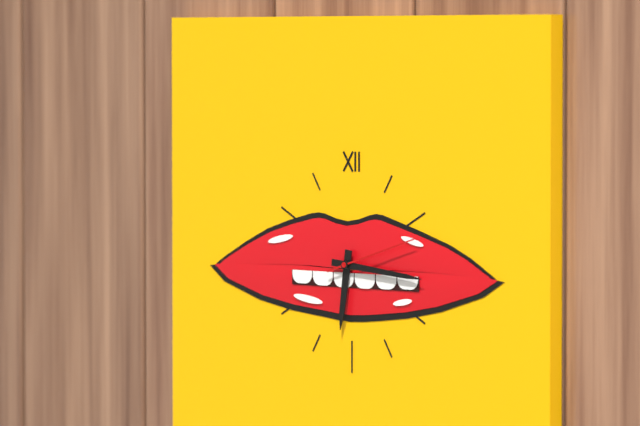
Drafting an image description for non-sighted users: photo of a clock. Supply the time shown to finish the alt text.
6:16:12
